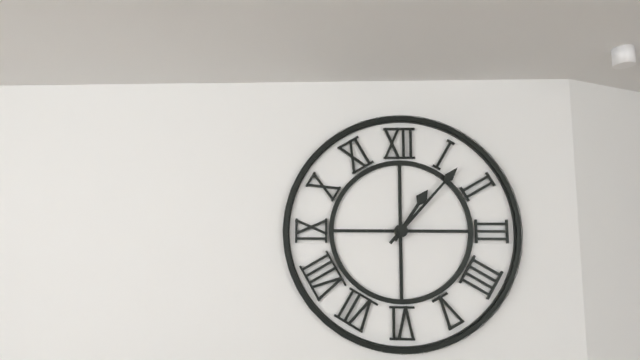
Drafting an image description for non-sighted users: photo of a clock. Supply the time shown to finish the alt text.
1:07
